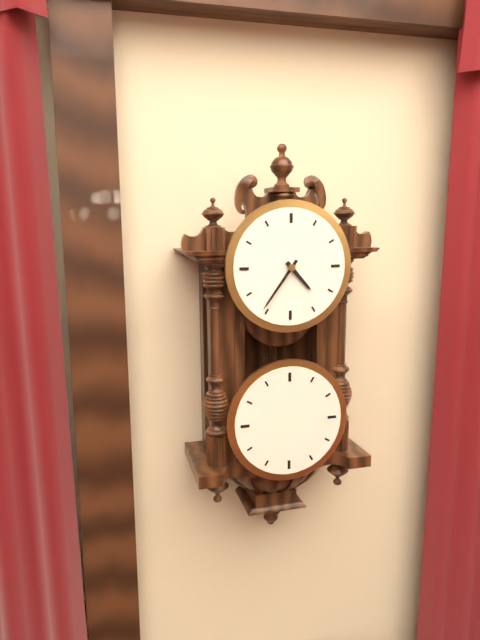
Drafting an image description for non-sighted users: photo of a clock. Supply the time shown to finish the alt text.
4:36
